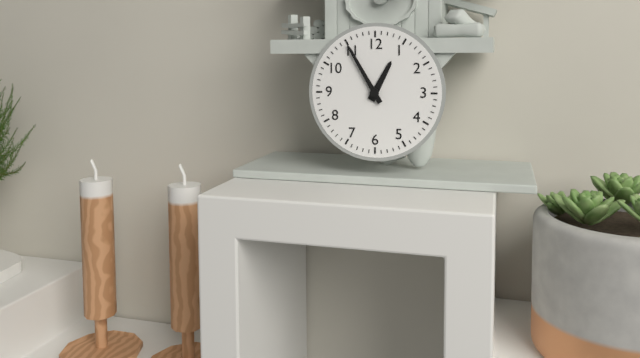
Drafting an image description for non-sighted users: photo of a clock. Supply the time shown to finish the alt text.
12:55
